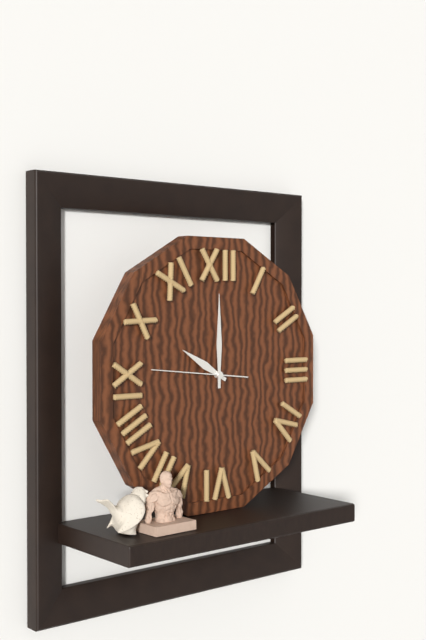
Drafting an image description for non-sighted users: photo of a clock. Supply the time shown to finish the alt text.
10:00:46
